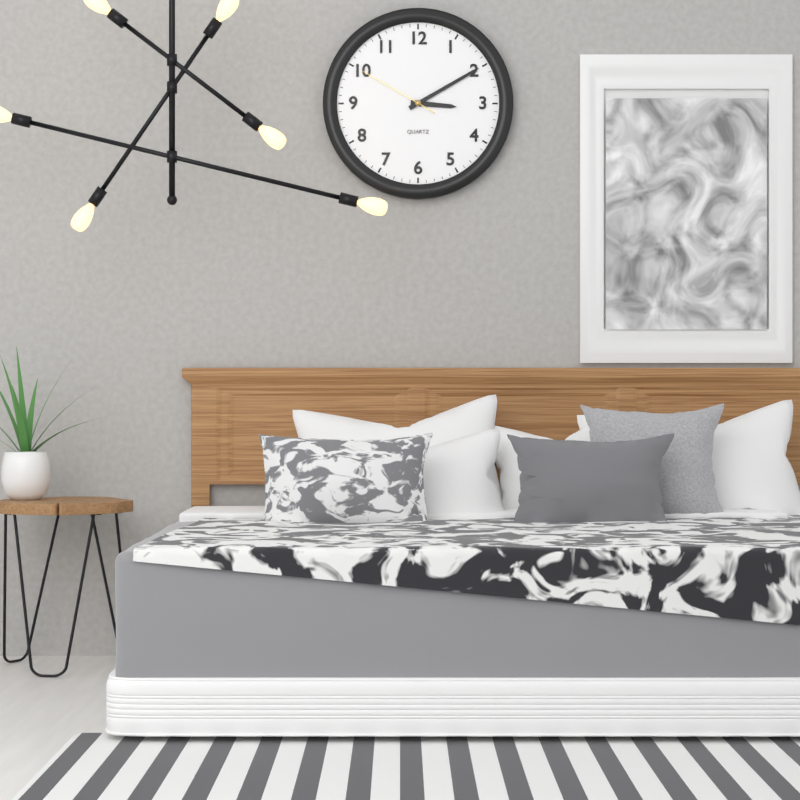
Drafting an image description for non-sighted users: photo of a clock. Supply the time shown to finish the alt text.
3:10:50
